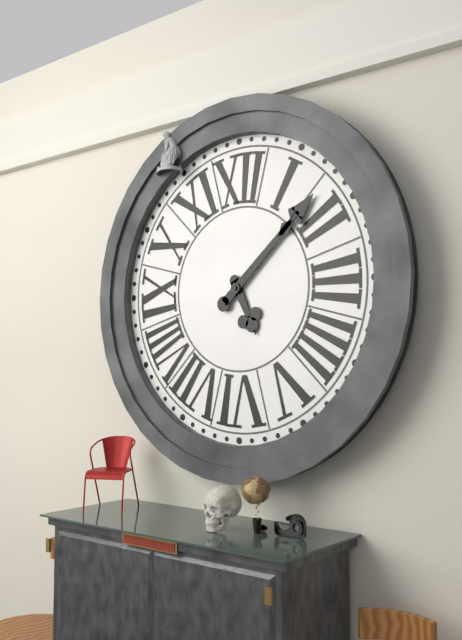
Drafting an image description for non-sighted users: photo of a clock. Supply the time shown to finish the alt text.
5:08
